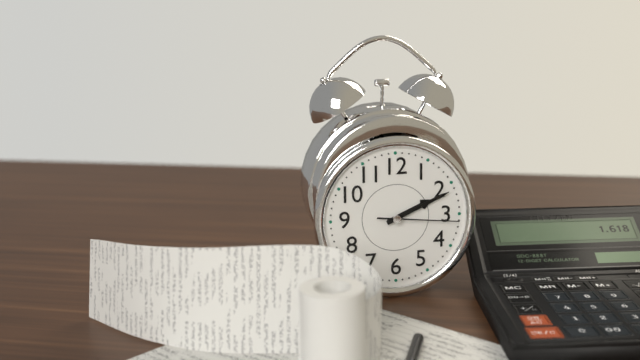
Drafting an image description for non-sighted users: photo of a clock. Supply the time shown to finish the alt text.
2:11:16
